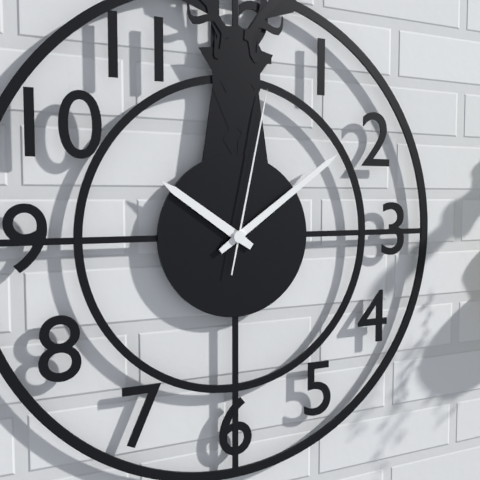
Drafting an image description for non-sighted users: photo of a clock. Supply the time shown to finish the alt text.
10:09:02
